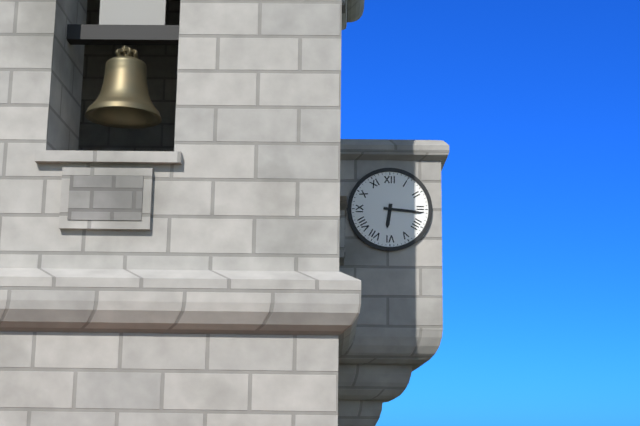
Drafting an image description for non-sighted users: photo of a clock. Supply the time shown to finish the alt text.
6:16
